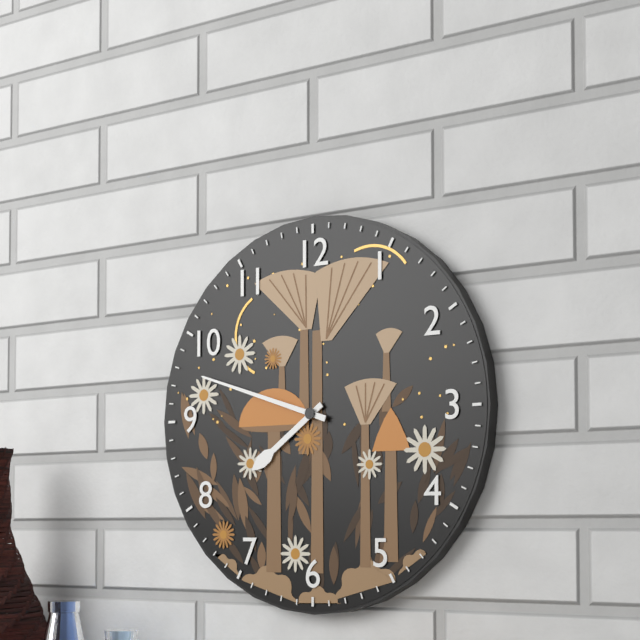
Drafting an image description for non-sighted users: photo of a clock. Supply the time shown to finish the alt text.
7:48
